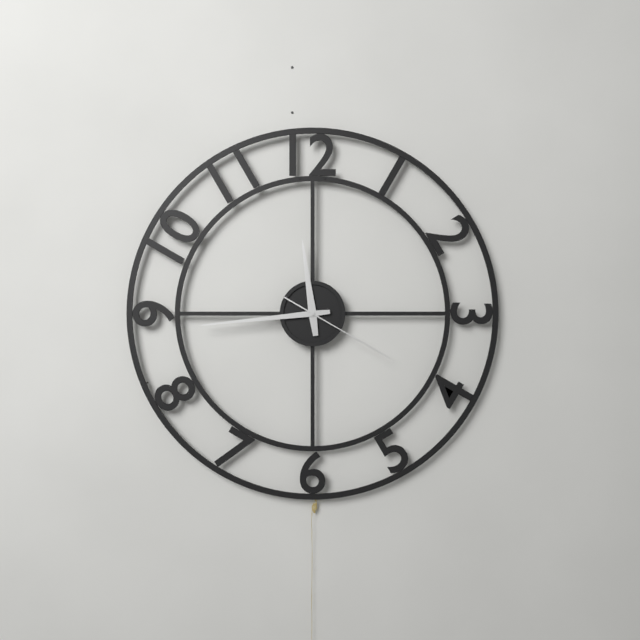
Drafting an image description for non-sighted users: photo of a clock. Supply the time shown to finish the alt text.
11:44:20
